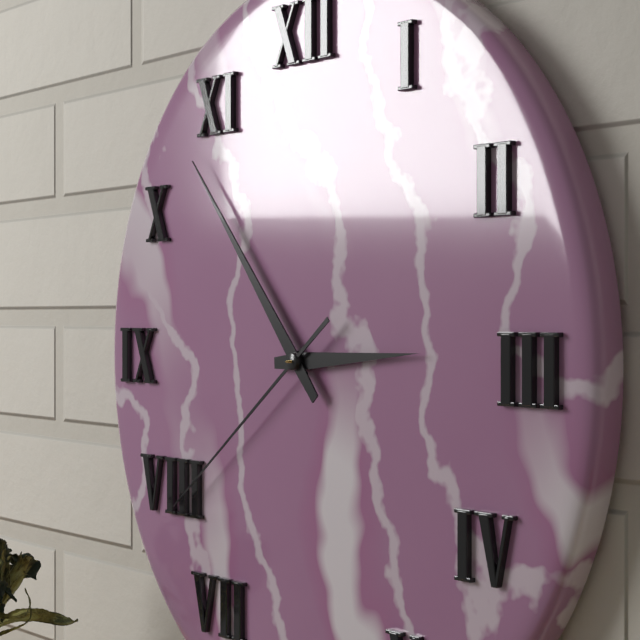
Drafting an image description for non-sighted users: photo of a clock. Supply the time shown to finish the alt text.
2:53:39
